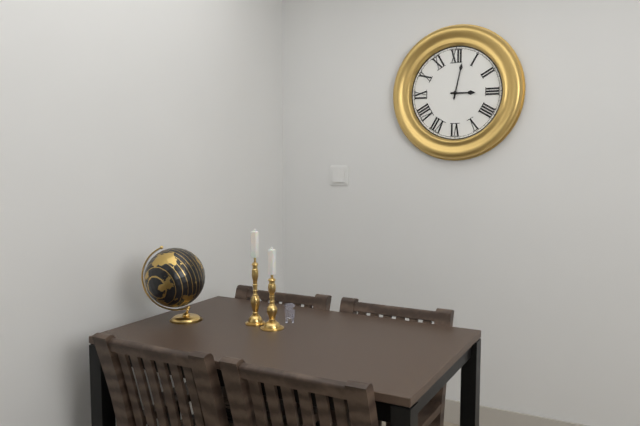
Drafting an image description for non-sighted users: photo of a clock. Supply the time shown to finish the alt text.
3:02
